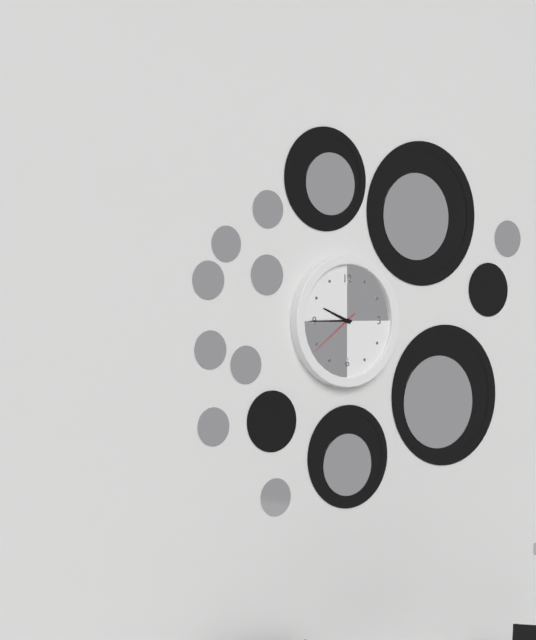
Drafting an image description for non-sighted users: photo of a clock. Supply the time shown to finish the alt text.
9:45:39
